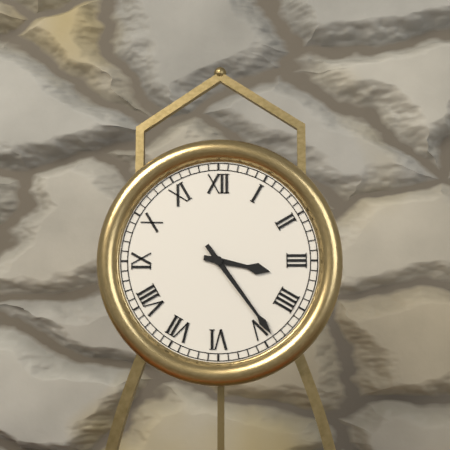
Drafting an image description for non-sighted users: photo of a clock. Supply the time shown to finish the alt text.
3:24
